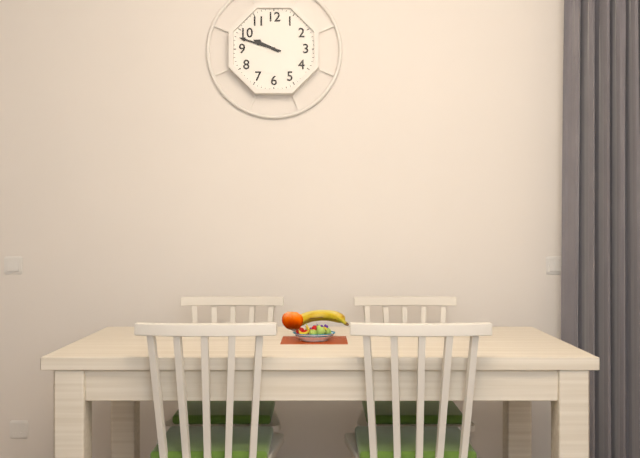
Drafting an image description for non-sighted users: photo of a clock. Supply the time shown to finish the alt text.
9:48
